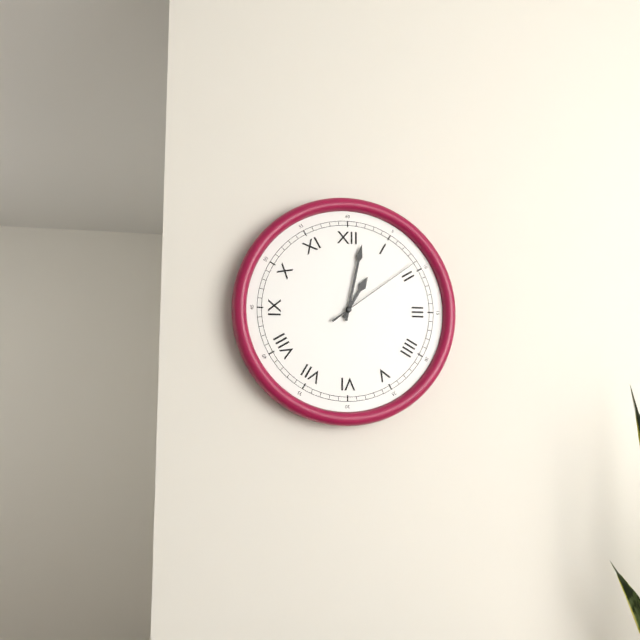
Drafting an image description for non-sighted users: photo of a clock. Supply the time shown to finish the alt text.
1:02:09
